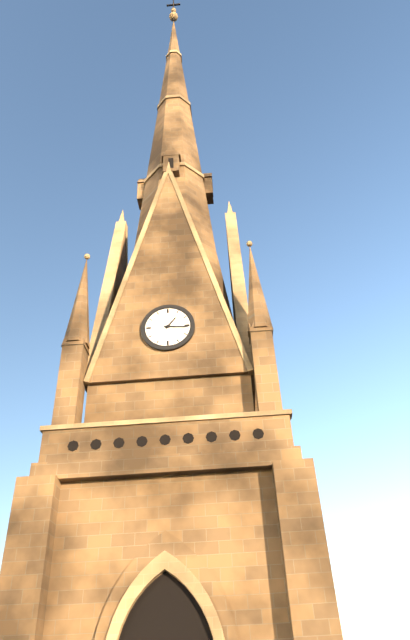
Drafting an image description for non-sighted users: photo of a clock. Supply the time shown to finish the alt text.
1:16
